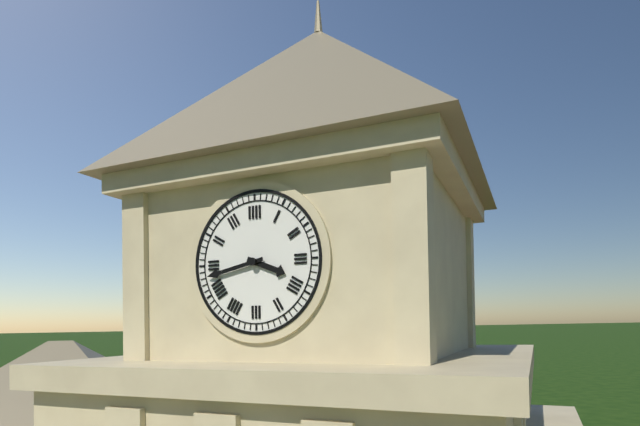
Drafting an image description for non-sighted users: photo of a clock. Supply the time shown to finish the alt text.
3:43
